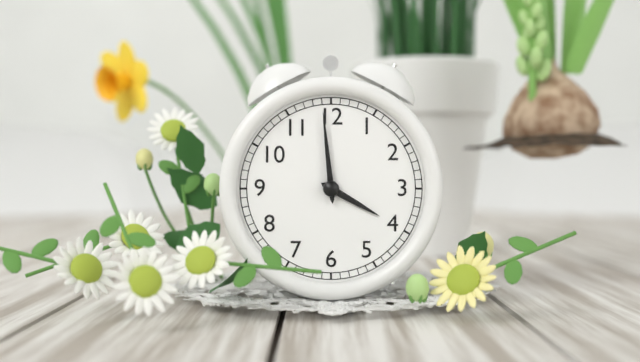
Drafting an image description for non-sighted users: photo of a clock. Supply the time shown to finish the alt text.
3:59
